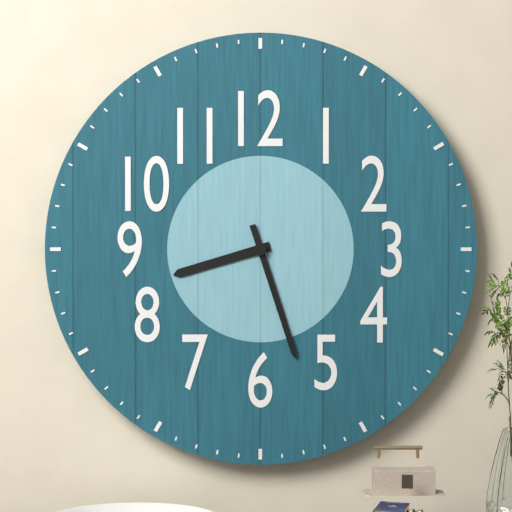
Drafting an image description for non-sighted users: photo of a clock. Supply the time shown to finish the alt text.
8:27
